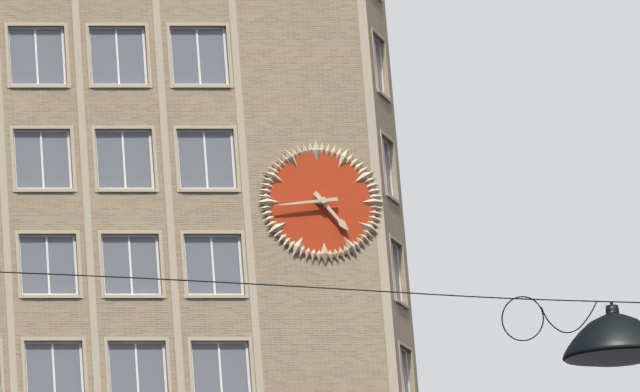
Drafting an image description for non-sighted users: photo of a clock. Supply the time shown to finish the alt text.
4:44
